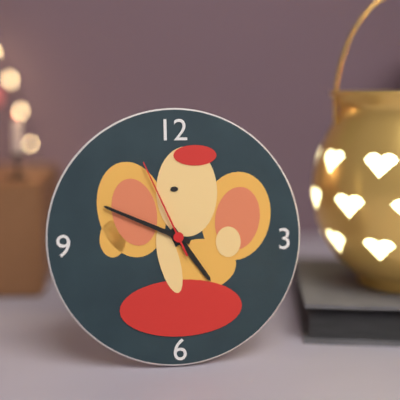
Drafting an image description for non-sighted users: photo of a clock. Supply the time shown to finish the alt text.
4:49:56
